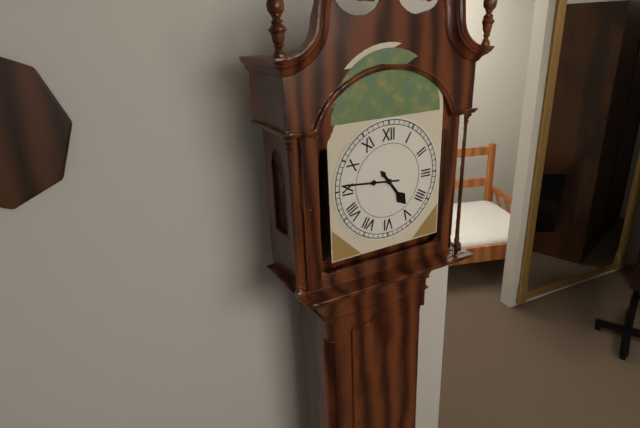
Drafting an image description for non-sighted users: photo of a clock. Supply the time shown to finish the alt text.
4:46
